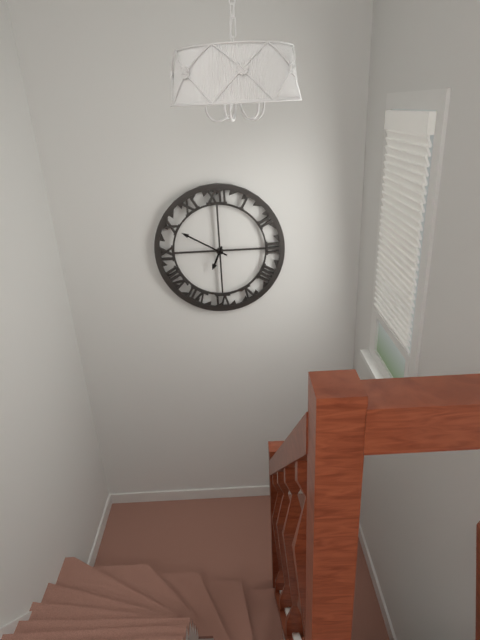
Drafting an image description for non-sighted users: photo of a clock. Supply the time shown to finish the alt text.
6:50
